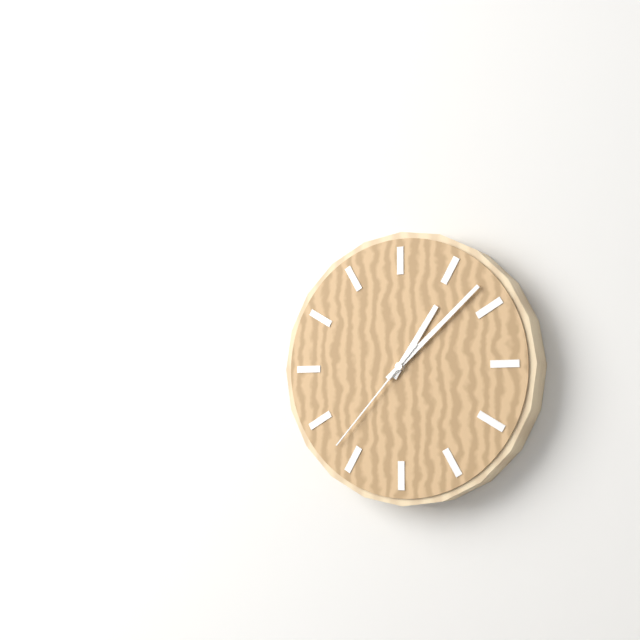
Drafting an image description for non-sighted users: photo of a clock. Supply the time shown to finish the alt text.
1:08:37
